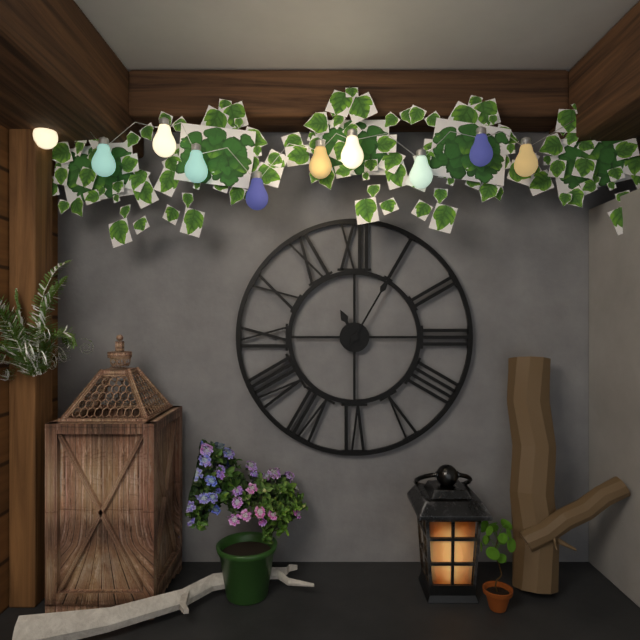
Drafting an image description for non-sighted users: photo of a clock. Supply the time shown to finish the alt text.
11:05
